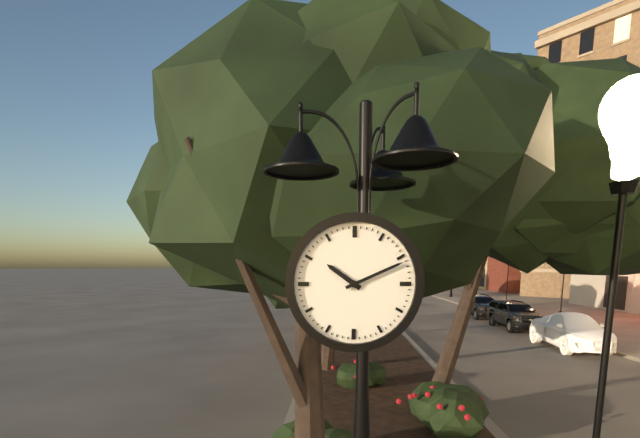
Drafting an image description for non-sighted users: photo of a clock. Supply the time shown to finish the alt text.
10:11
